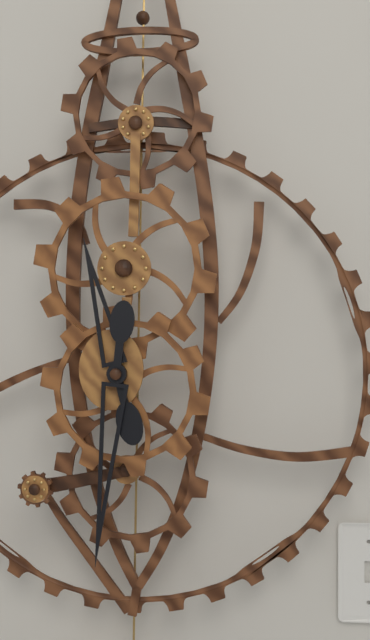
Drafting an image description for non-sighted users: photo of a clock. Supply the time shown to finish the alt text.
11:31
